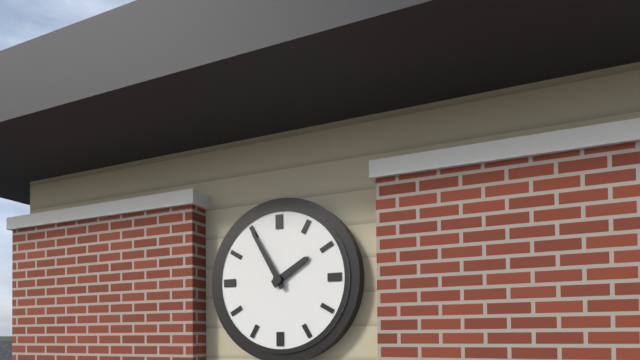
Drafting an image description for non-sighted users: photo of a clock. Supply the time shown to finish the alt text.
1:55
